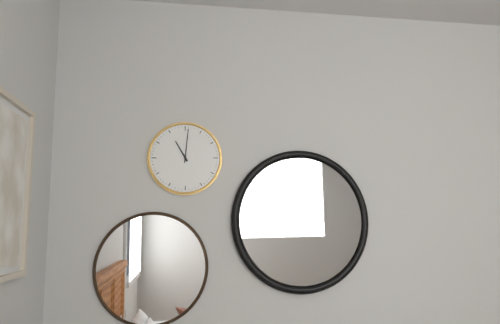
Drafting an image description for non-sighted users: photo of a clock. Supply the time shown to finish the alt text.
11:01
